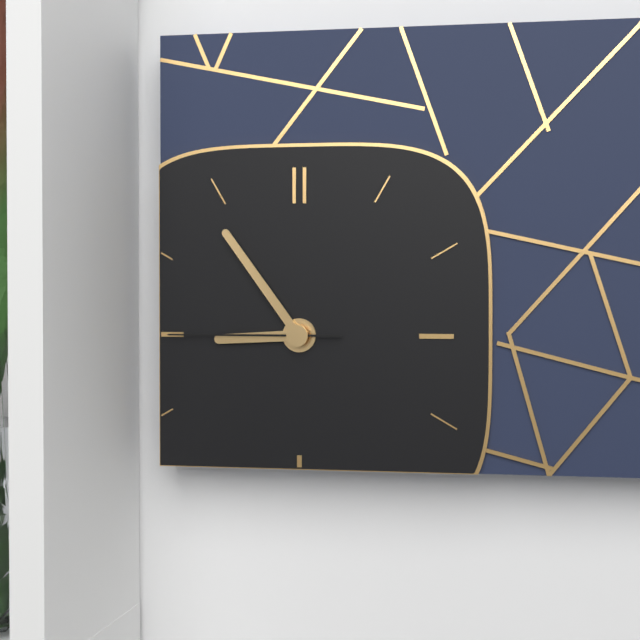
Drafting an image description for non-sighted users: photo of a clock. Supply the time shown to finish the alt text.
8:54:45
